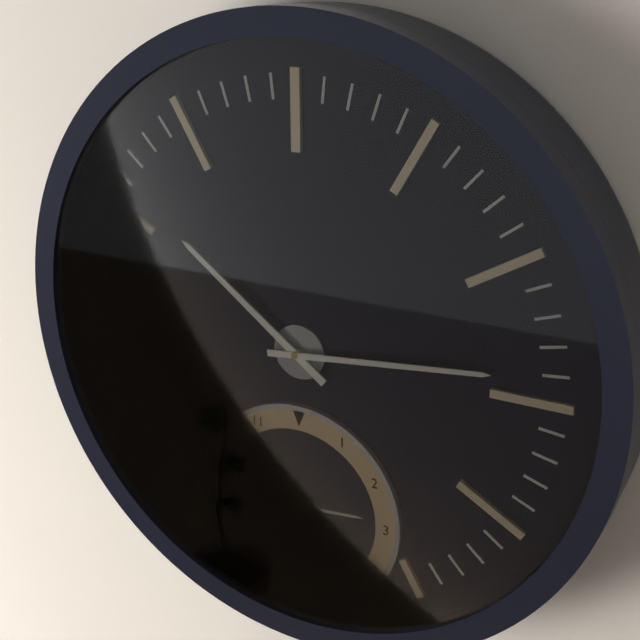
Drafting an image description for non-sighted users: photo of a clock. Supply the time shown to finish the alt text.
10:14
